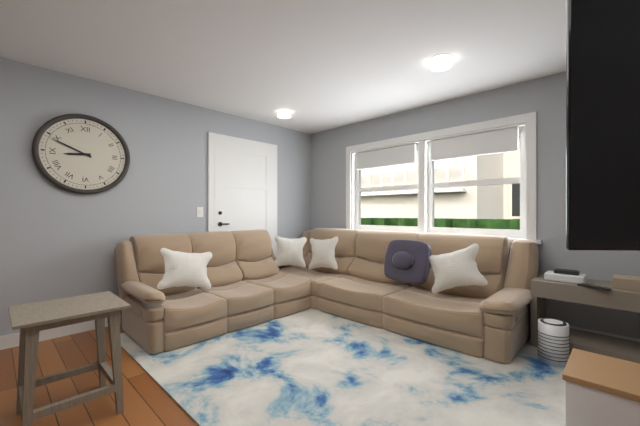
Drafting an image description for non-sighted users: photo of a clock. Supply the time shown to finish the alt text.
8:49
